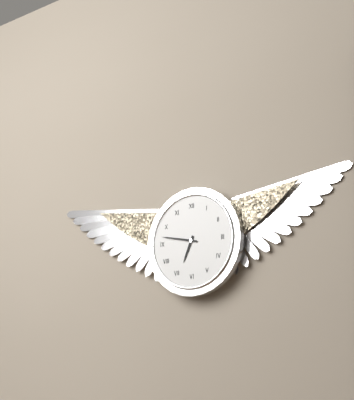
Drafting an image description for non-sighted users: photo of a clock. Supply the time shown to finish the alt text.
6:47
